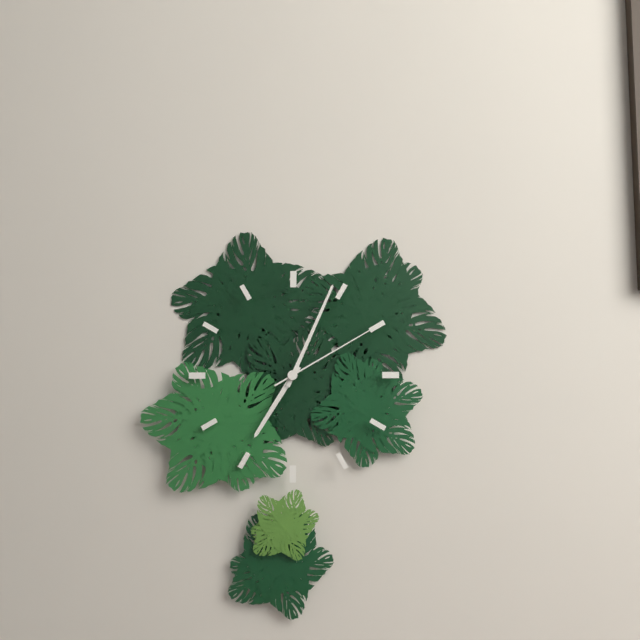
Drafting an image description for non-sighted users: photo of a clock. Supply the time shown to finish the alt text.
7:04:10
